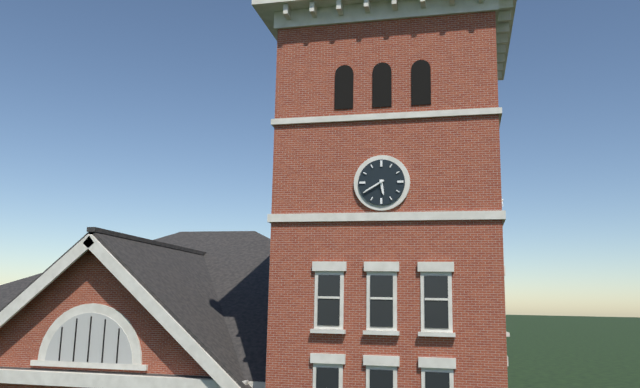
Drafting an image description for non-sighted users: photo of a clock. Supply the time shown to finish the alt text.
5:40
